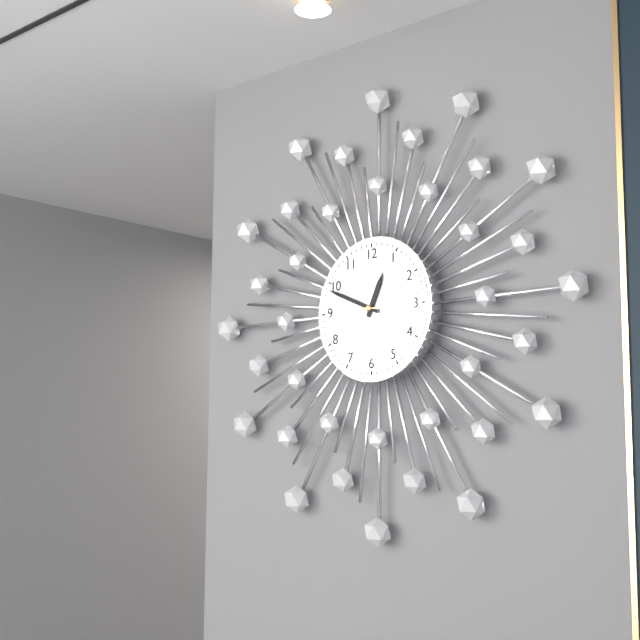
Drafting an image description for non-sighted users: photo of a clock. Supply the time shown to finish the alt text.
12:49:46
